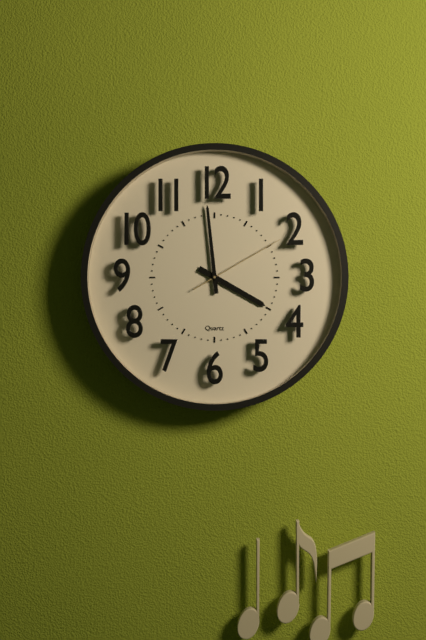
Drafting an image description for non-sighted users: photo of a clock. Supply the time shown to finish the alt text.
3:59:10
